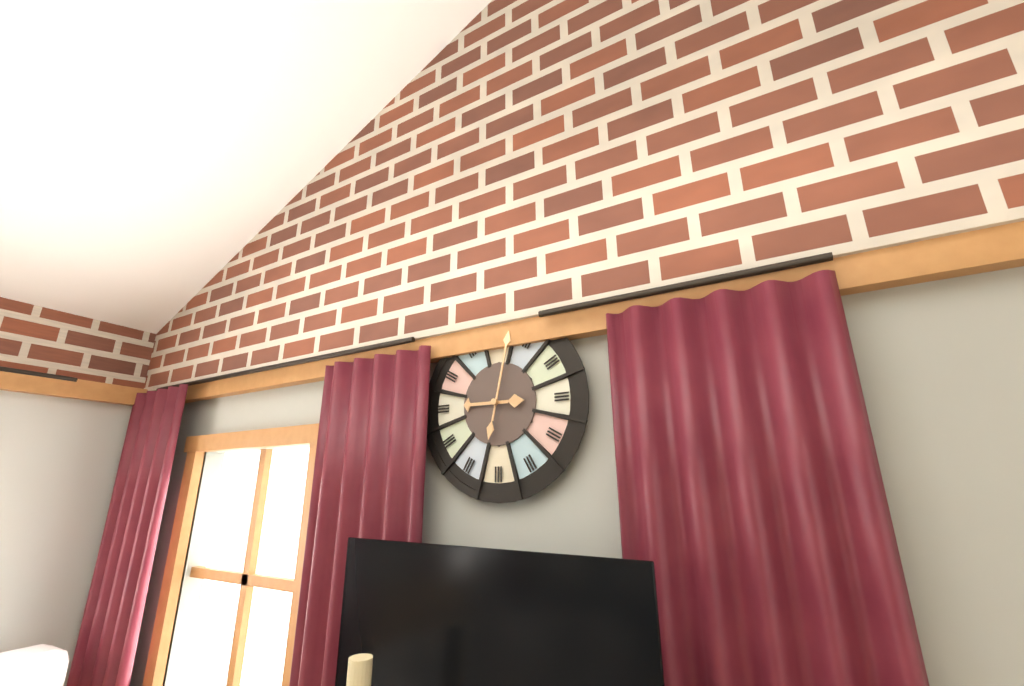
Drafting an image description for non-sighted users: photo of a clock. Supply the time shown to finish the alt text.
9:02
